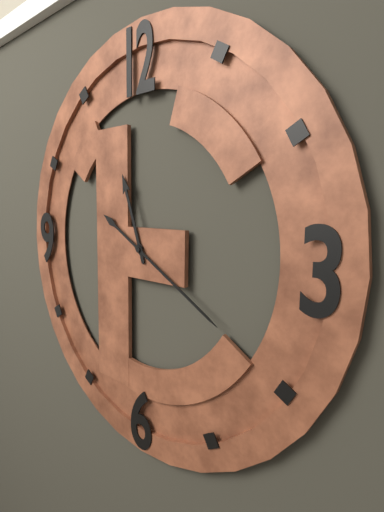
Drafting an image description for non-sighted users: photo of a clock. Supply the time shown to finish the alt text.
11:20
